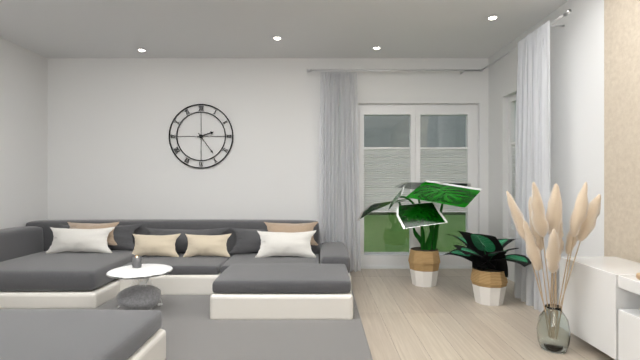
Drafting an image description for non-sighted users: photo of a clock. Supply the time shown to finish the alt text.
2:24
